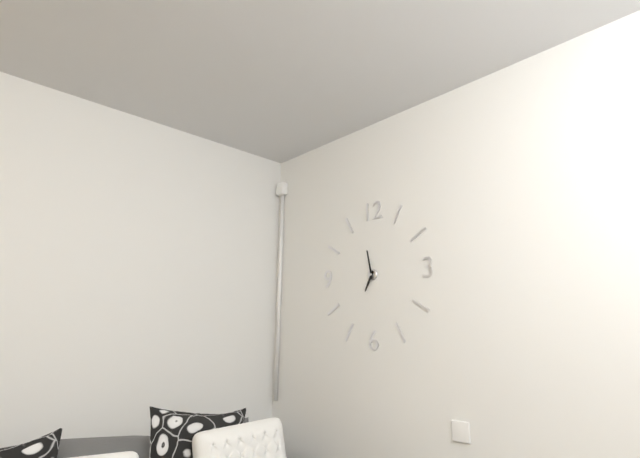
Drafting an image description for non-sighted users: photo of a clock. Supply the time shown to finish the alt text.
6:58
